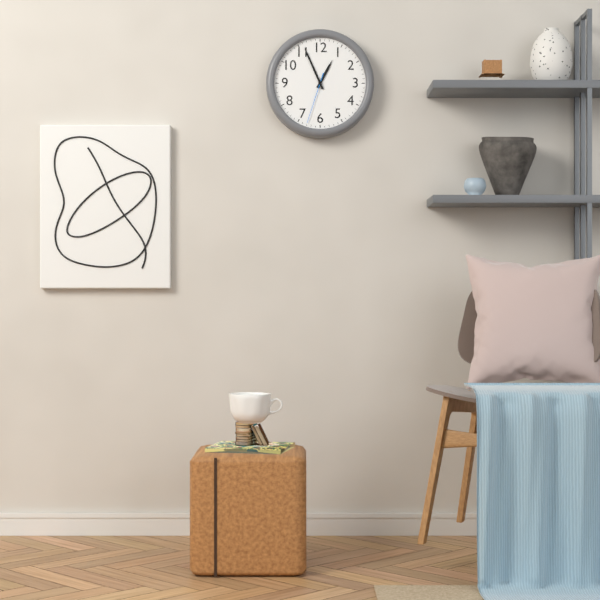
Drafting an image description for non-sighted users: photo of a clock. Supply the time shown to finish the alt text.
12:56:33
